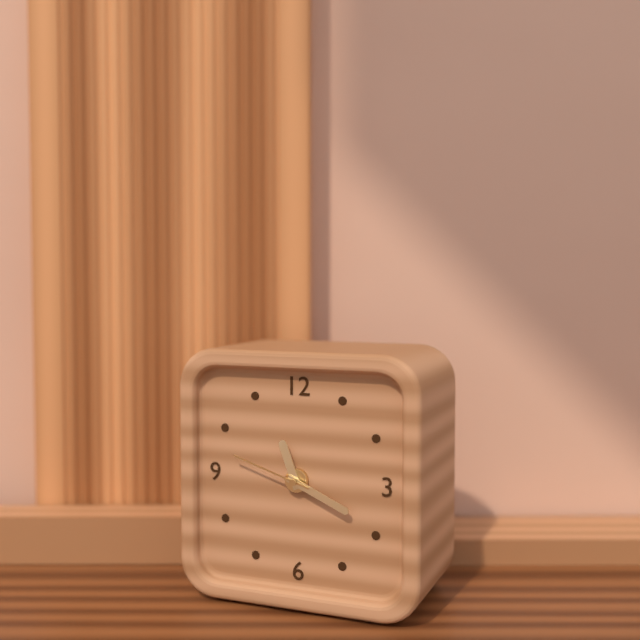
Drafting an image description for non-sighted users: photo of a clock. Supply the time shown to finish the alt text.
11:19:48
